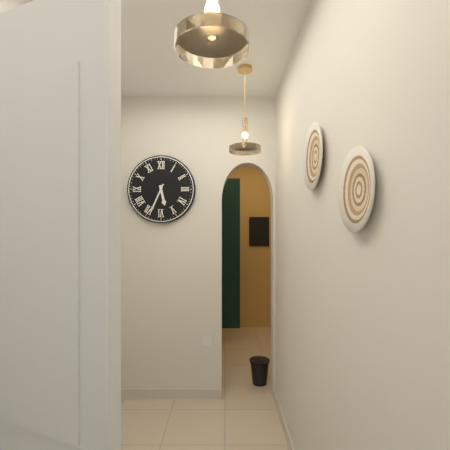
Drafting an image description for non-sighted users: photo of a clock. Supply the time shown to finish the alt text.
5:34
